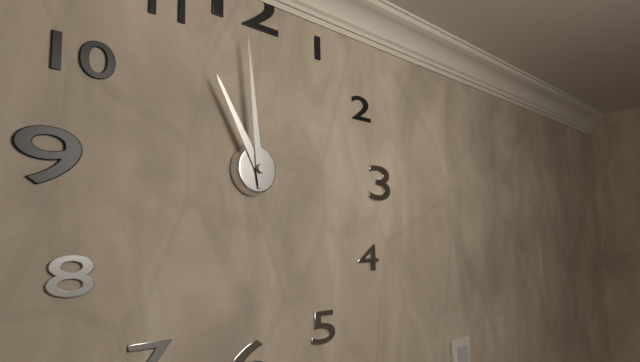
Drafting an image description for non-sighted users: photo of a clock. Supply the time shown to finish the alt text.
10:59
